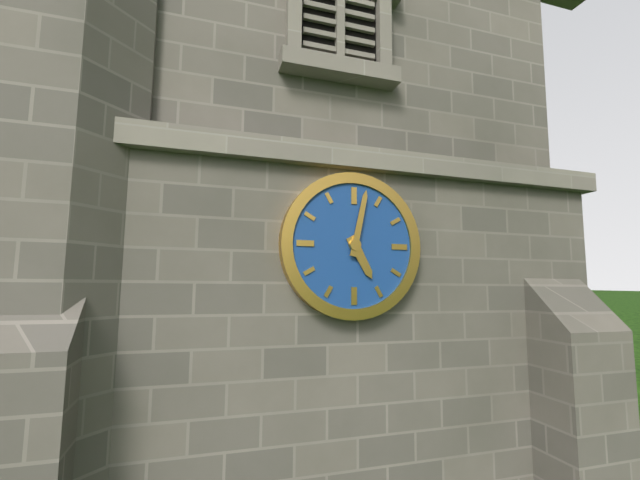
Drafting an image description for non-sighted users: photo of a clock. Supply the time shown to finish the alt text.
5:02
